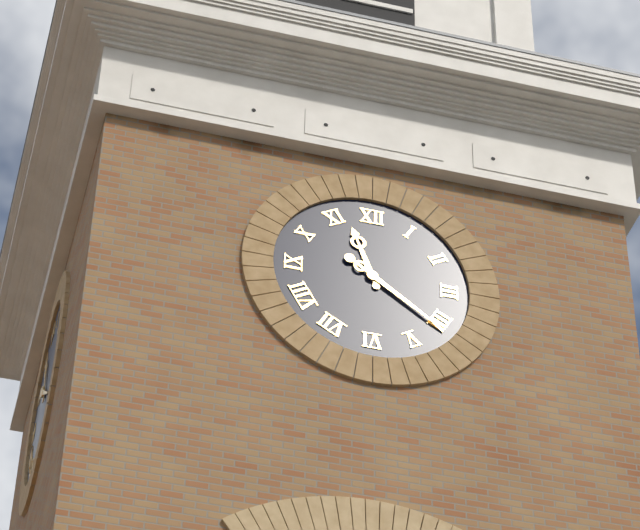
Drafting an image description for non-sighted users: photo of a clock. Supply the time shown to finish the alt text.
11:21
